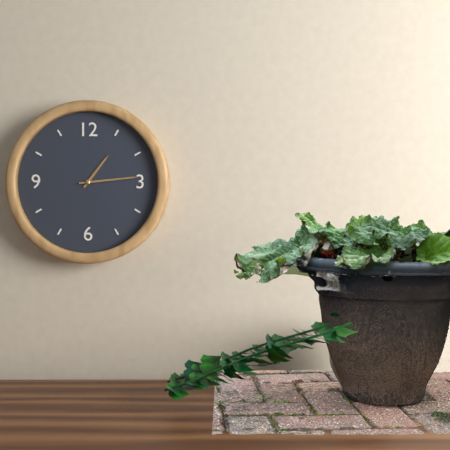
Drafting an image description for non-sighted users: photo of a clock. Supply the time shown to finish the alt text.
1:14
